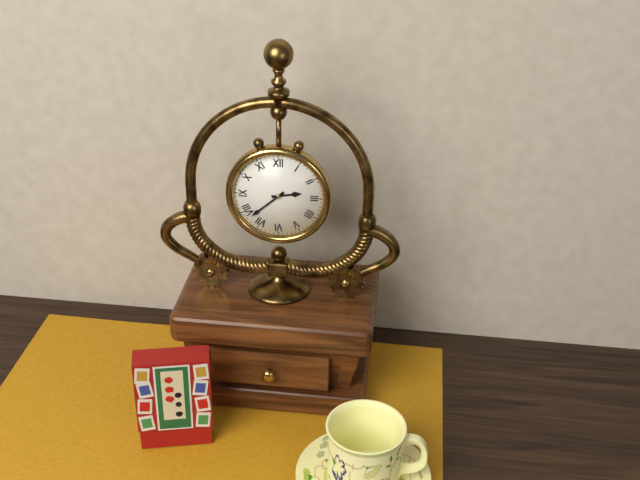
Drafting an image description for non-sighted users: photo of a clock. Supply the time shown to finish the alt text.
2:38
